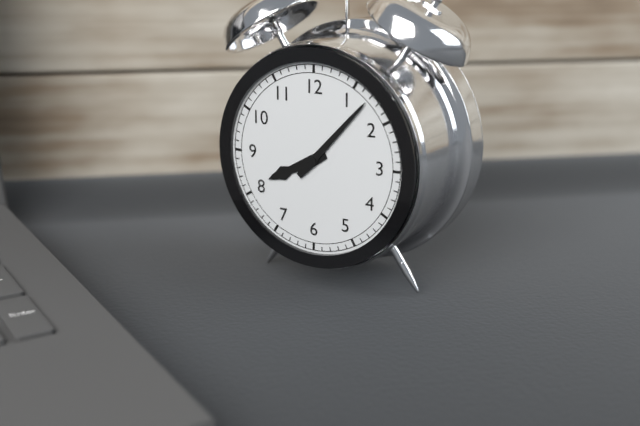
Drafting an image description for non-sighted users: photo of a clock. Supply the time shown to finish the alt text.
8:07
